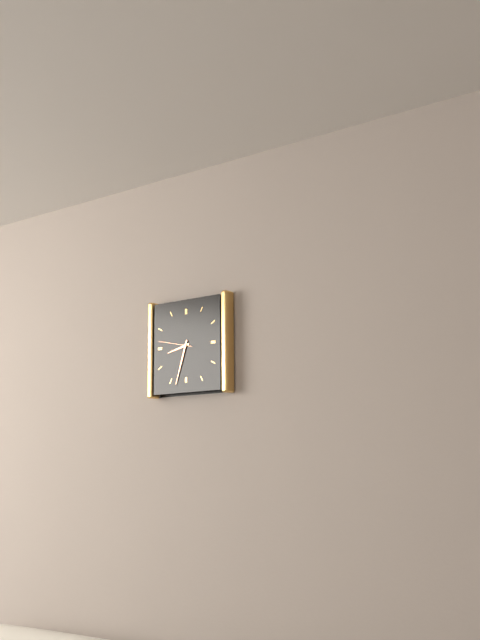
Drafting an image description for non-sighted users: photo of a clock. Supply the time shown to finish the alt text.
8:33
